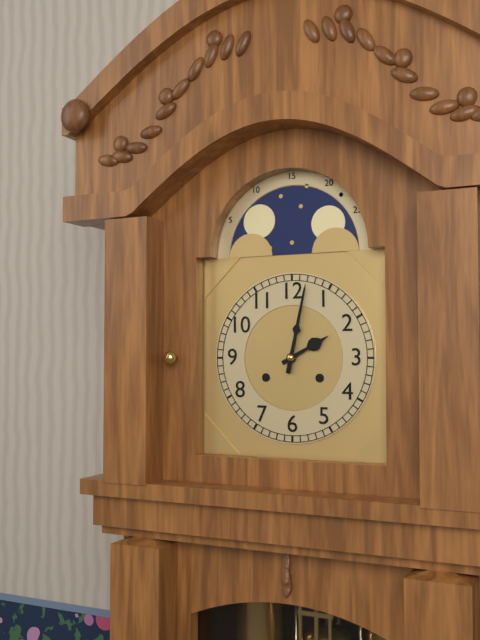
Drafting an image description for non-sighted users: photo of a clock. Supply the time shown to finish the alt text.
2:02
